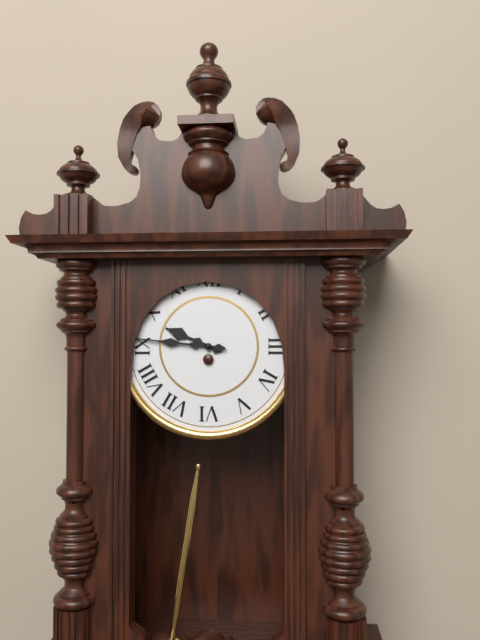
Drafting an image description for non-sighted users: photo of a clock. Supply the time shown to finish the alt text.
9:46
